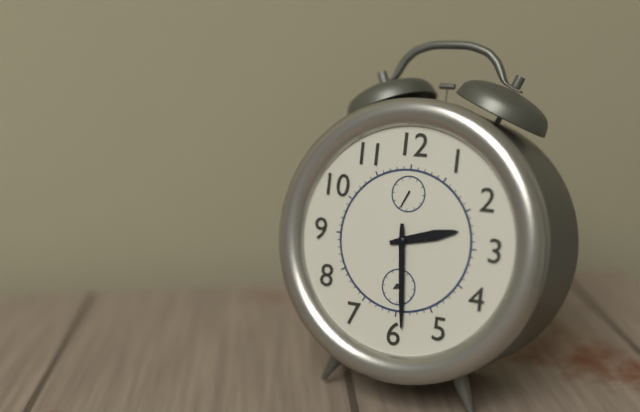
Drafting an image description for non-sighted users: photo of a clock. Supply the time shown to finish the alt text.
2:29
